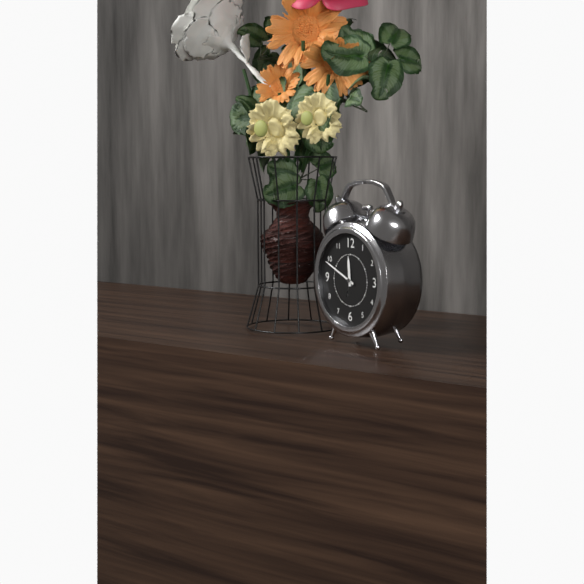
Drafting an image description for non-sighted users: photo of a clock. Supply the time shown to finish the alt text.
11:49
